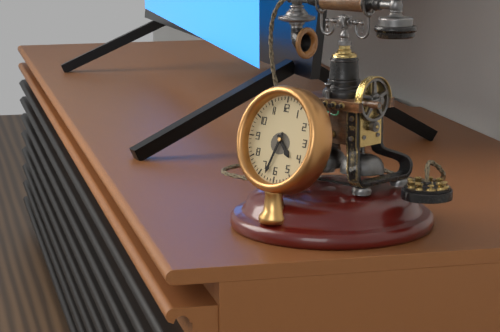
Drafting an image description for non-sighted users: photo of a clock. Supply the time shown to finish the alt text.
4:33
